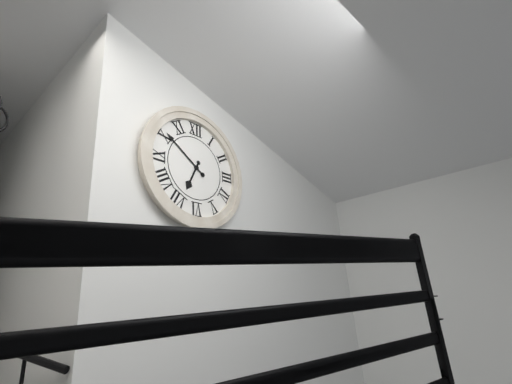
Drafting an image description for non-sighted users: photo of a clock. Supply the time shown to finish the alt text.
6:51
